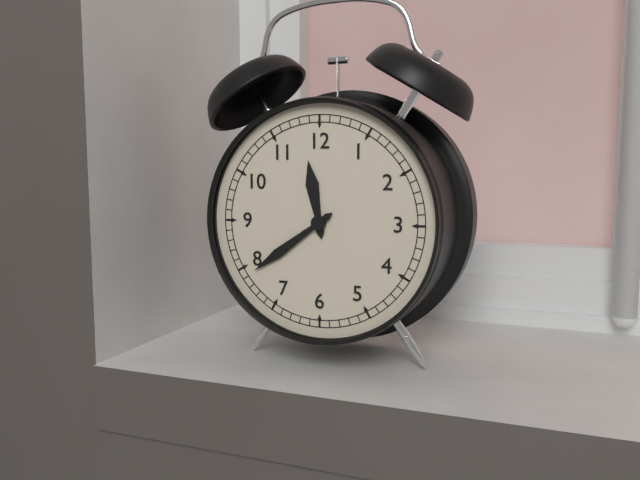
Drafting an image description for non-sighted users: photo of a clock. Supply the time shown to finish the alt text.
11:39
